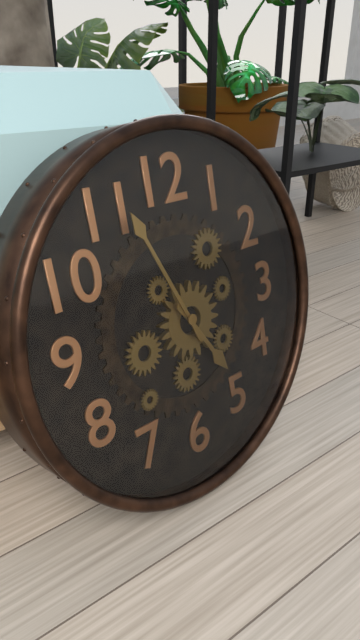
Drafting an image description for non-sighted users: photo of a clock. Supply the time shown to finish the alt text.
4:56
